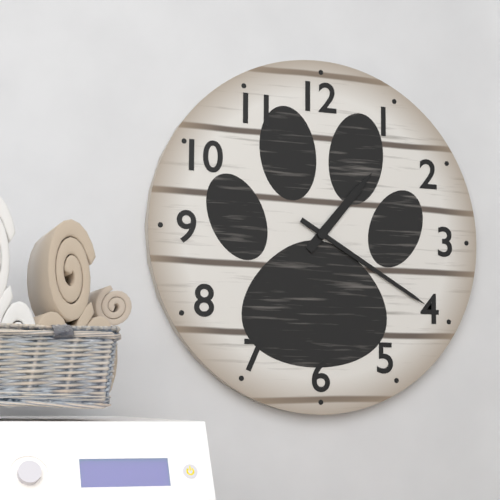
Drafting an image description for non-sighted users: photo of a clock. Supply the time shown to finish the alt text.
1:20
